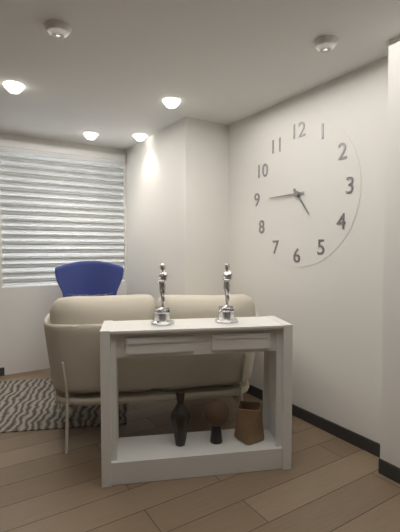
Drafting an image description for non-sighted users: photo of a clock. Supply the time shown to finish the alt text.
4:45
